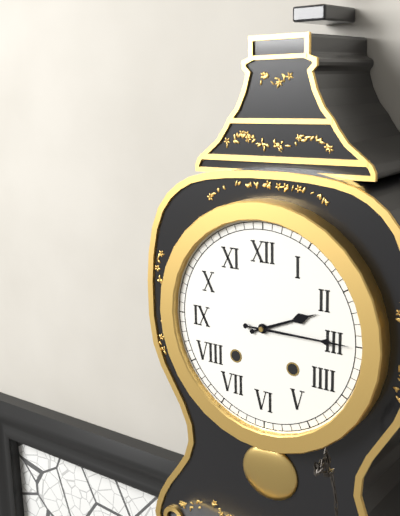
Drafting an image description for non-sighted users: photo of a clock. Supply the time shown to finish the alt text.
2:15
